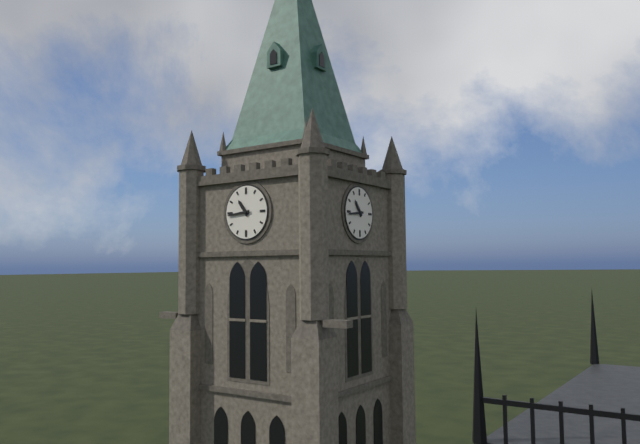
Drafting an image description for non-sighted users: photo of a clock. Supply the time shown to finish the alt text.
10:44
